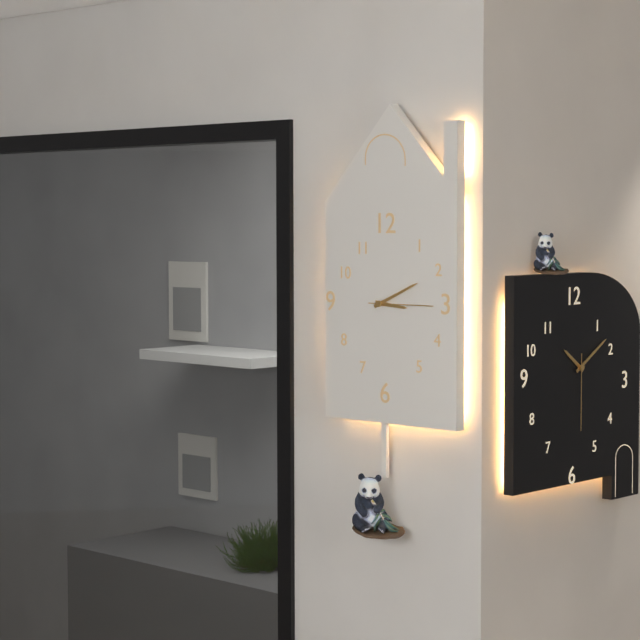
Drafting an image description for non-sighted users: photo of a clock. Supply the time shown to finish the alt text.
3:11:15
